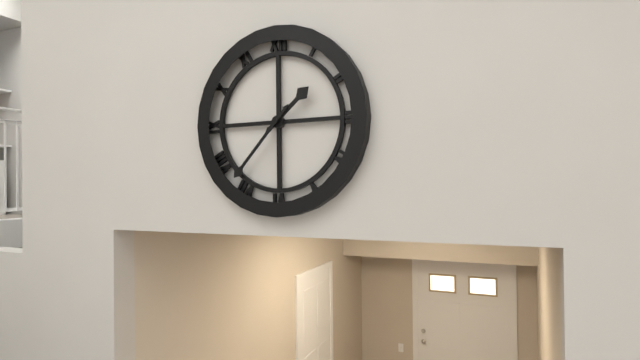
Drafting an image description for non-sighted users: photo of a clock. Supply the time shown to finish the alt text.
1:37
